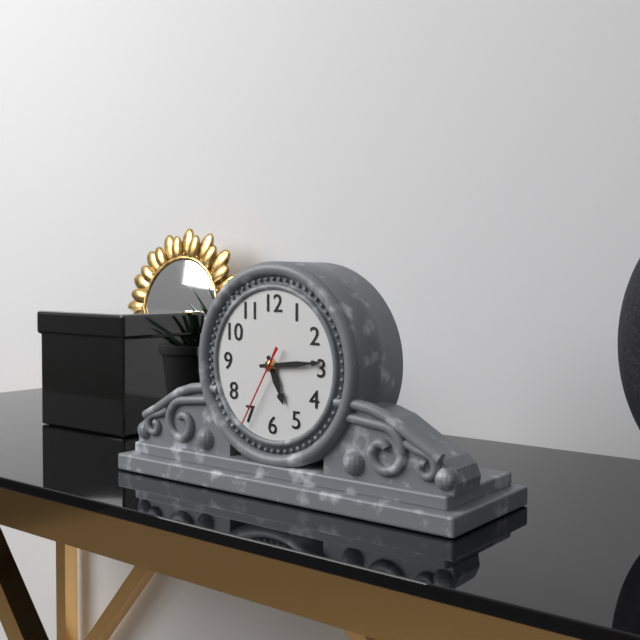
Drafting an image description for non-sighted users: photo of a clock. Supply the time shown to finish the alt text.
5:14:35
